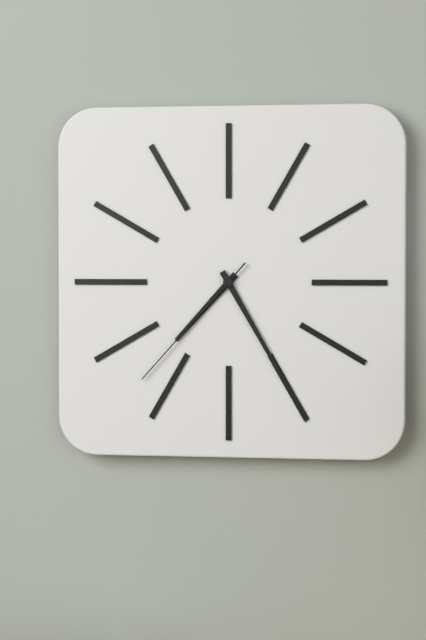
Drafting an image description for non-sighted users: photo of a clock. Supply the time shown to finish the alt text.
7:25:37
